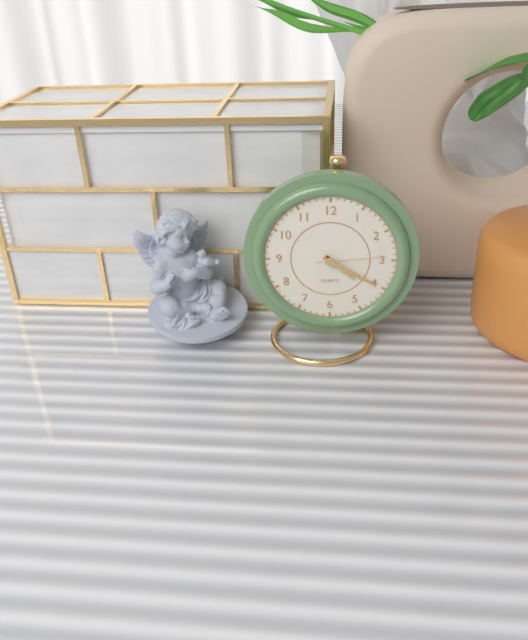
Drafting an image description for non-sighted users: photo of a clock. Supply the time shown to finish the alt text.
4:20:14
